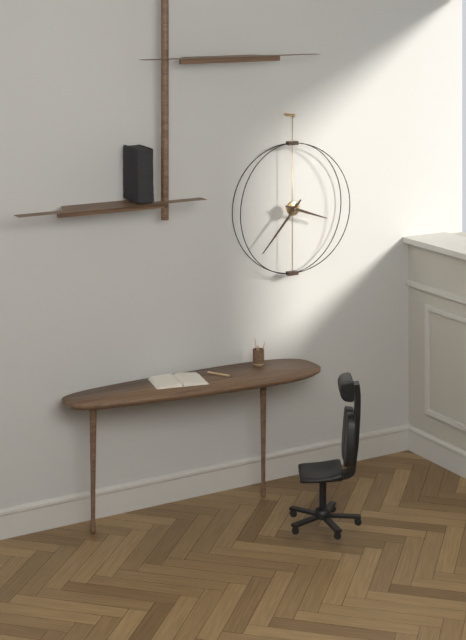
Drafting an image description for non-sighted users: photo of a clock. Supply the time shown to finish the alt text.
3:37
